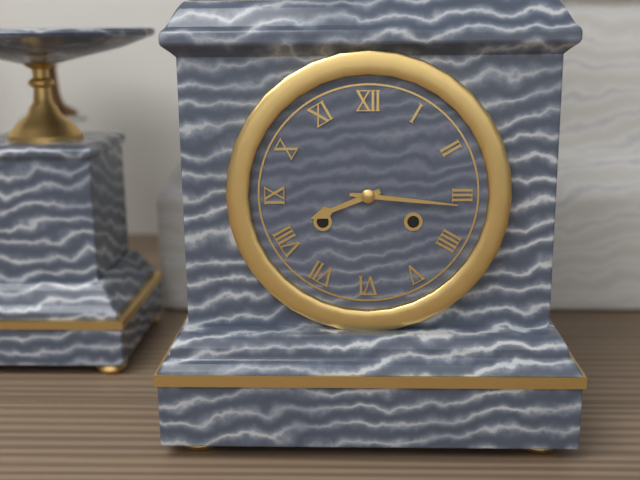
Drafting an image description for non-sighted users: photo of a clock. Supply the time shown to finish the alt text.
8:16
